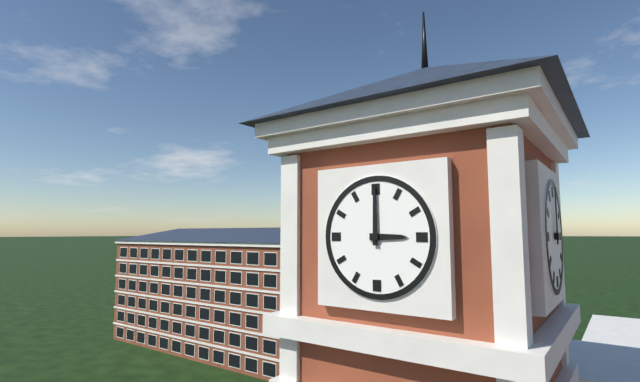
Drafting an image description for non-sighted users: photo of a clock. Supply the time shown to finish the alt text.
3:00
